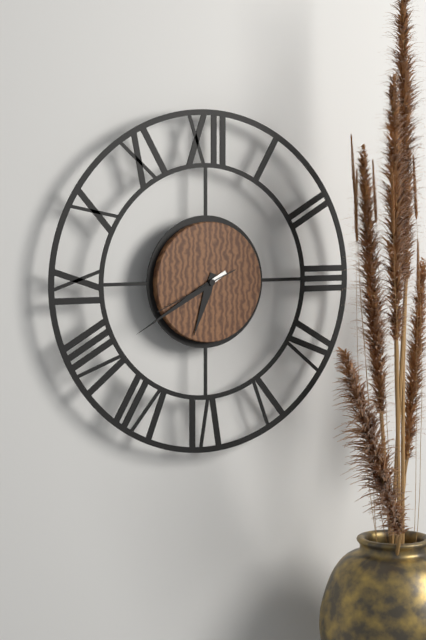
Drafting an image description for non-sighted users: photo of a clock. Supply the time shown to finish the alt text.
6:40:41
